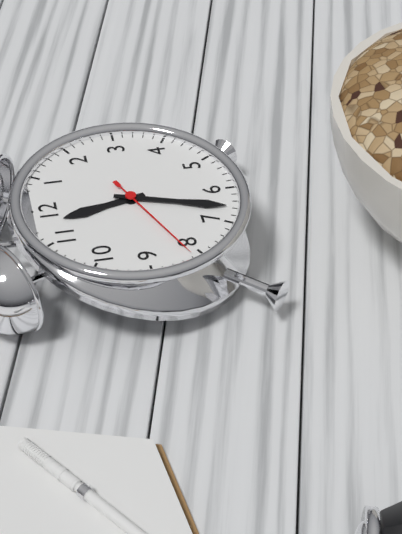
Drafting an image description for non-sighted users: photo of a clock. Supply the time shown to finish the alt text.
11:33:41
